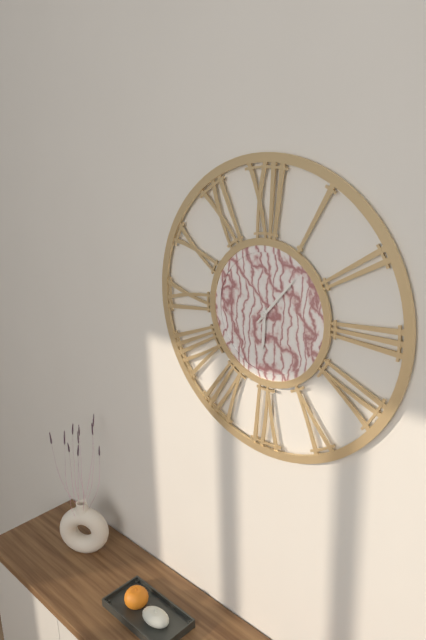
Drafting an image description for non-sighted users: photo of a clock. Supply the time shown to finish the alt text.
6:07
